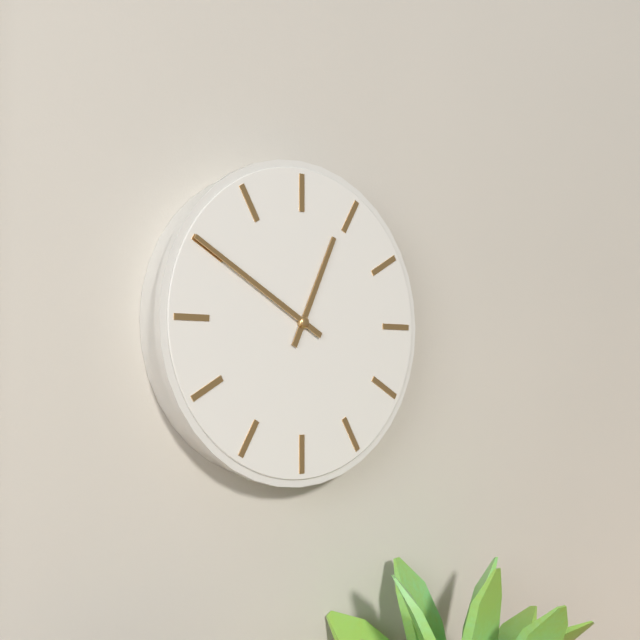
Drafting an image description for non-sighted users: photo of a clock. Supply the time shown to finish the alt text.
12:50
